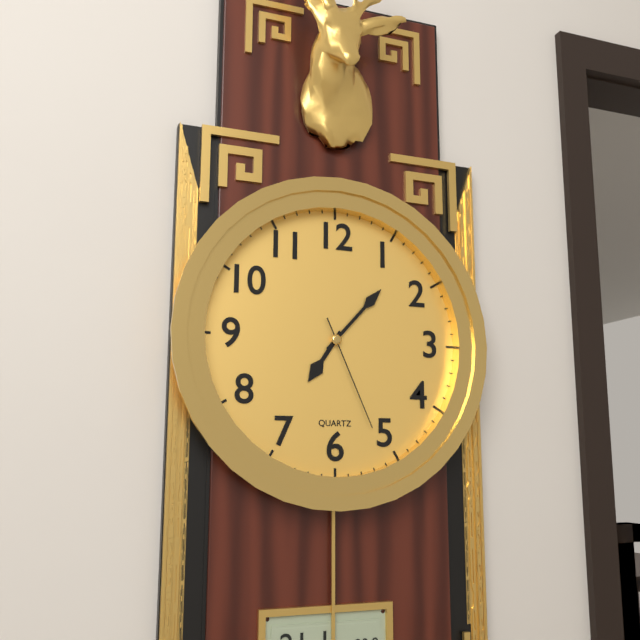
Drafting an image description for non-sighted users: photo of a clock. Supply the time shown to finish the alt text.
7:07:26
